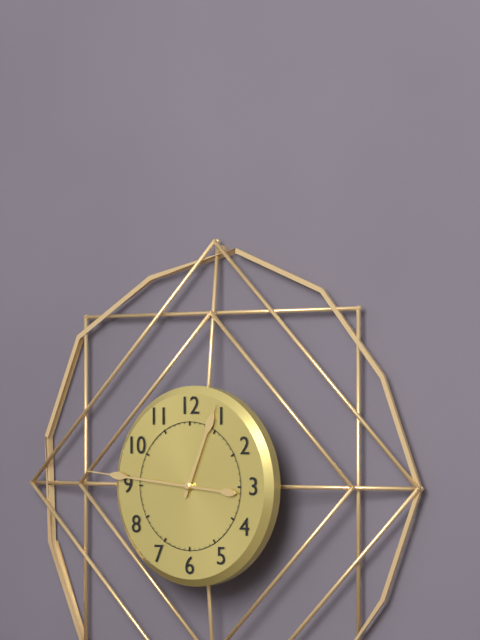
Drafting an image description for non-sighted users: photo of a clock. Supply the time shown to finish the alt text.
12:46
